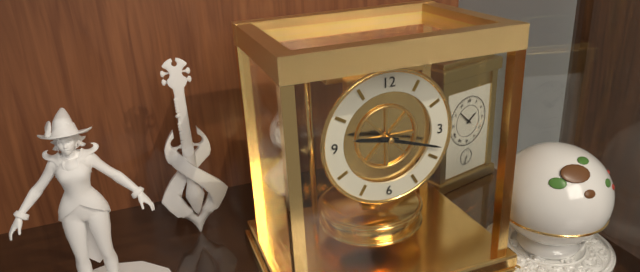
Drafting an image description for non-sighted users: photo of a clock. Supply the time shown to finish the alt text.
9:18
